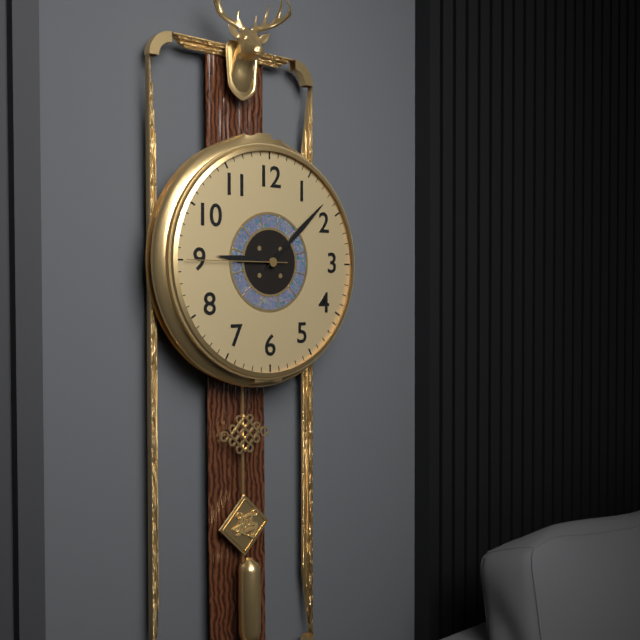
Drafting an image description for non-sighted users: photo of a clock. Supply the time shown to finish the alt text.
9:08:45
